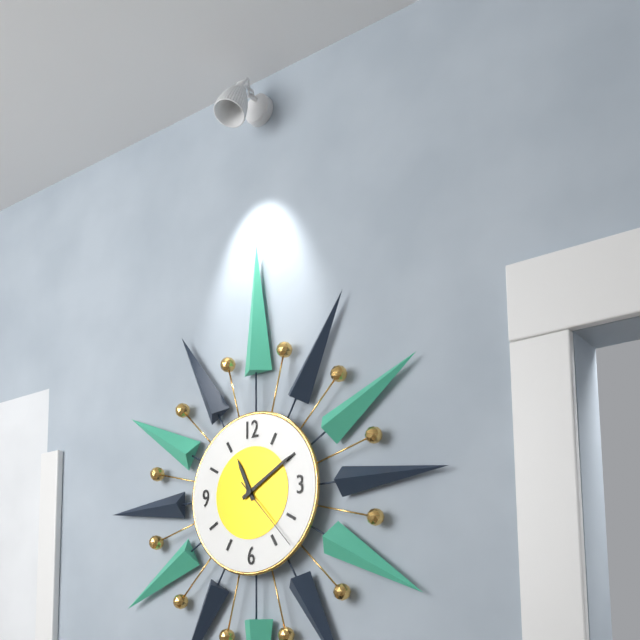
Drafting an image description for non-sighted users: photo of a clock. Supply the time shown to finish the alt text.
11:10:23
